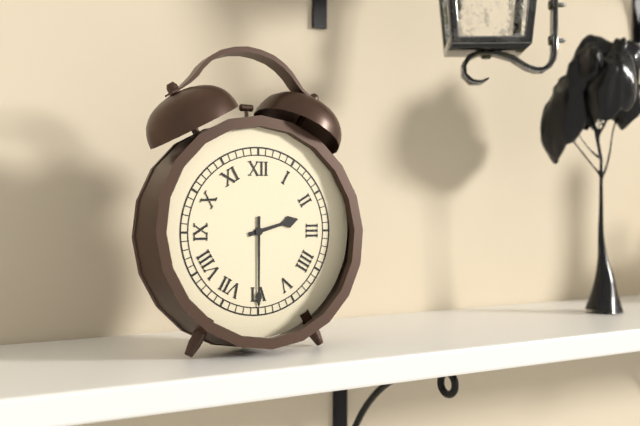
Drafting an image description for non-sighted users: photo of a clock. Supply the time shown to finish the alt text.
2:30
